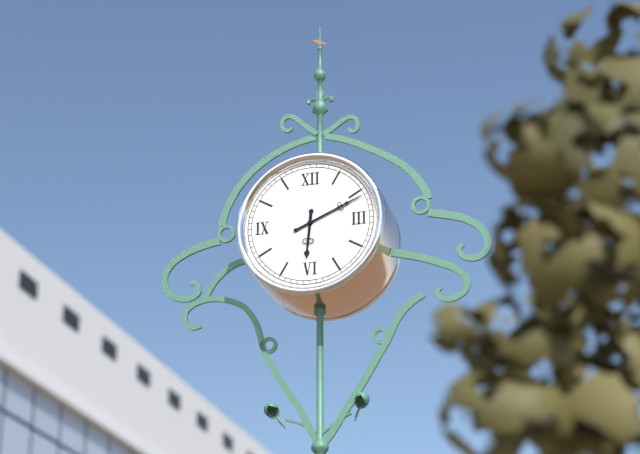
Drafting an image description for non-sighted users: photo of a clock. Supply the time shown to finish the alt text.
6:11
